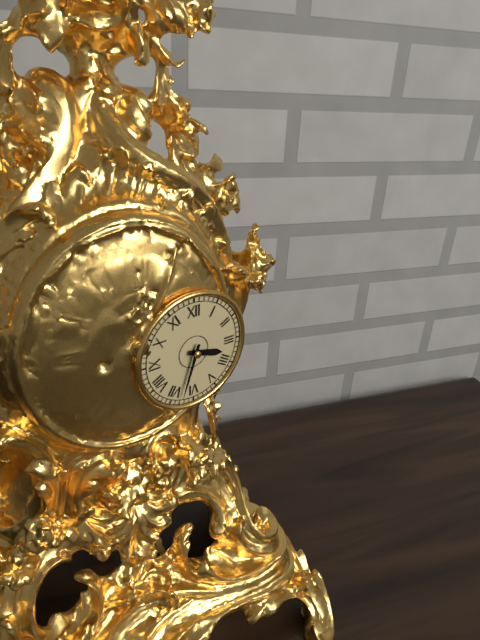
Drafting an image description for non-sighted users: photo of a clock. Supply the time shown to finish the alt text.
3:33
